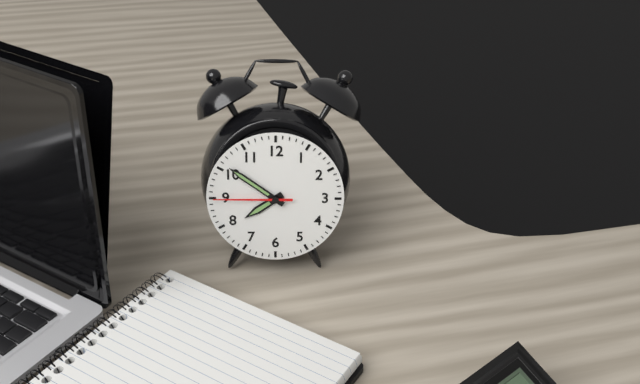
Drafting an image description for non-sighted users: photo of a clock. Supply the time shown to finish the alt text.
7:51:45
